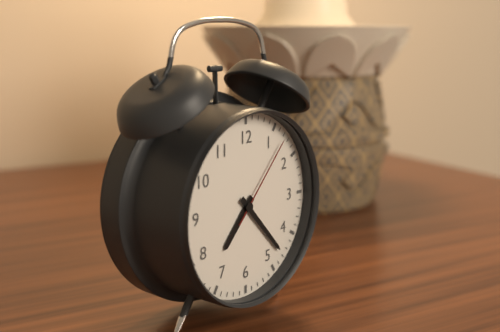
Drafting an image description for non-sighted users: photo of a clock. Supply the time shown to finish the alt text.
7:23:07
